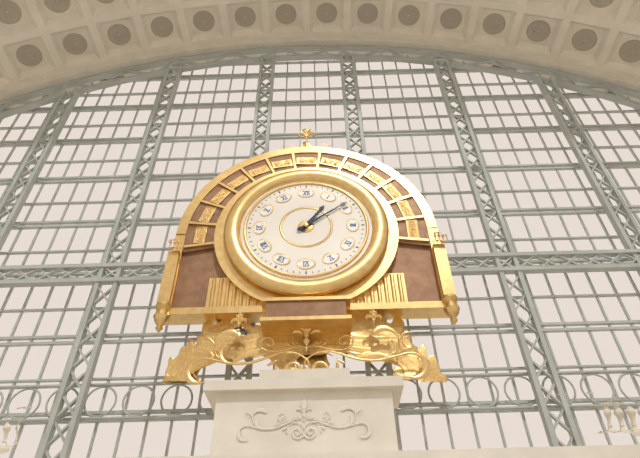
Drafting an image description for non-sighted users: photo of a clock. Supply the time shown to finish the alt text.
1:09
